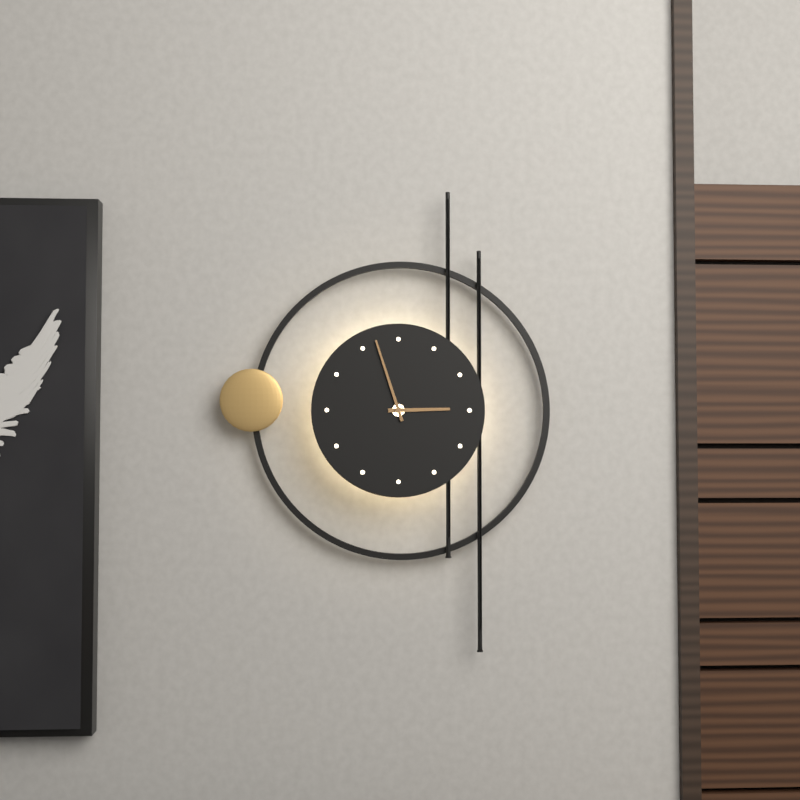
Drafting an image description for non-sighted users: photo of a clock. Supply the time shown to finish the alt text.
2:57
